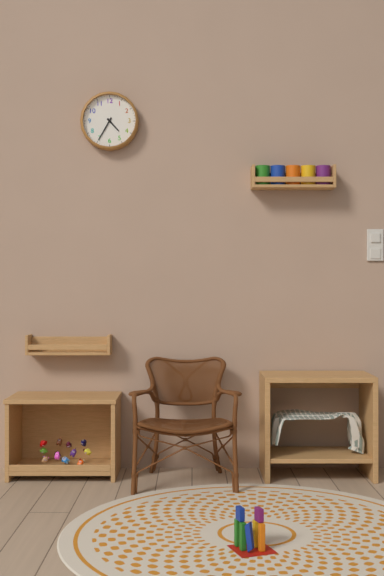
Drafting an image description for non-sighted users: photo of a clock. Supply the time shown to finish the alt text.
4:35
